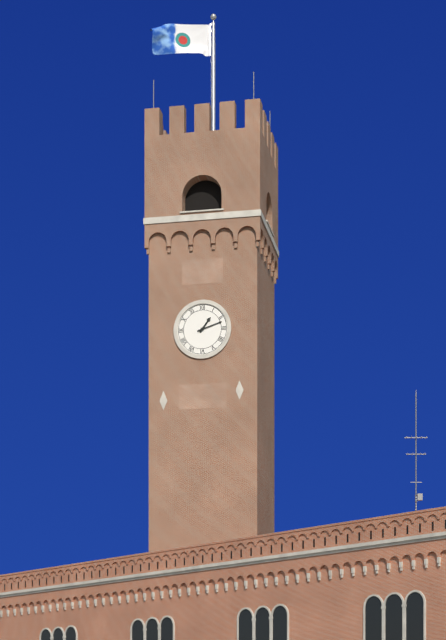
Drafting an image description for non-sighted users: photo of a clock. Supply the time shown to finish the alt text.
1:12
